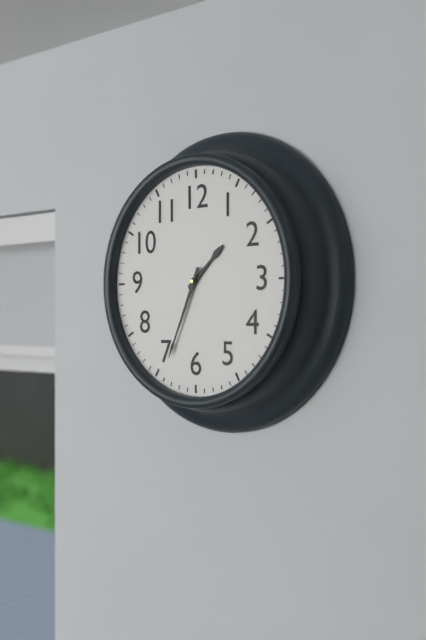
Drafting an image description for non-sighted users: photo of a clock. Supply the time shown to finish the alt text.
1:34
